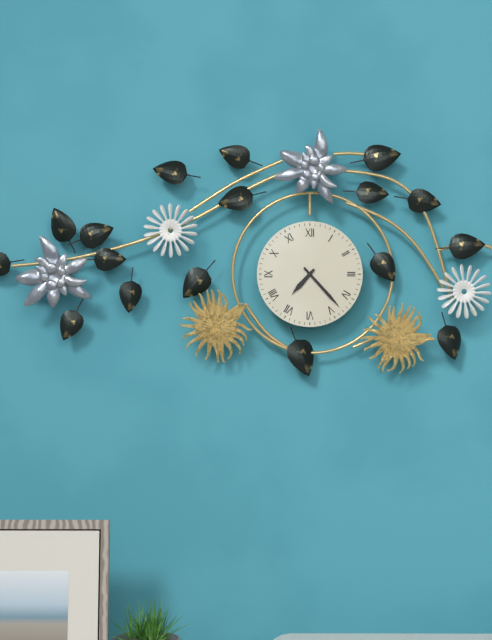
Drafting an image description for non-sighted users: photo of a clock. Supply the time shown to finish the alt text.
7:23
